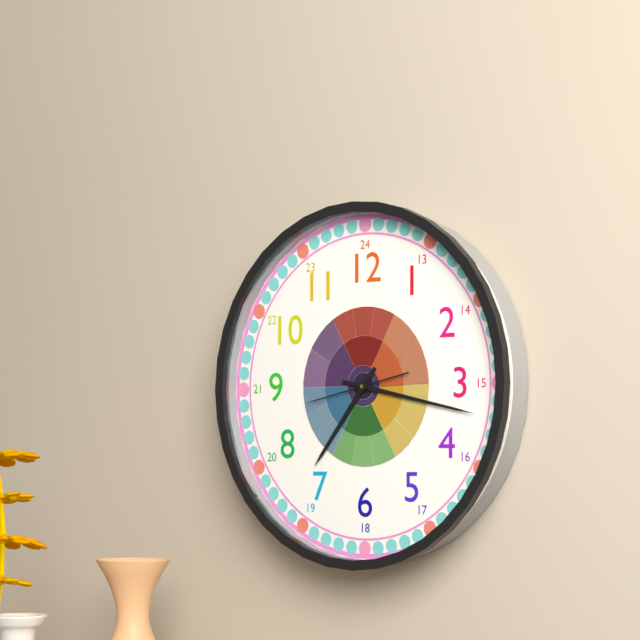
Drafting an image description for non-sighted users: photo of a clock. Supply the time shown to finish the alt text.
7:17:43
